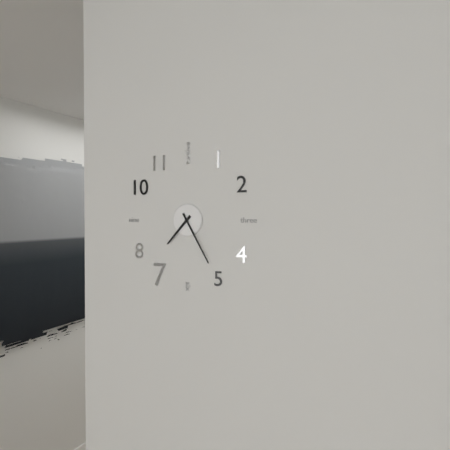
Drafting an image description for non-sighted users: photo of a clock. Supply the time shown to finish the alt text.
7:25
